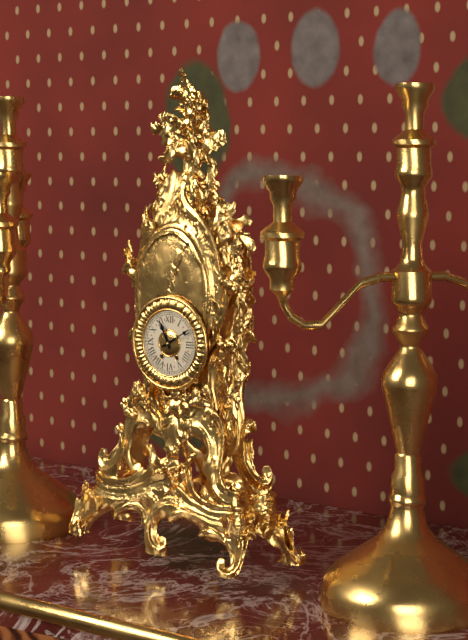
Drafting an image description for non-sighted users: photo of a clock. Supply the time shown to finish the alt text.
11:10
